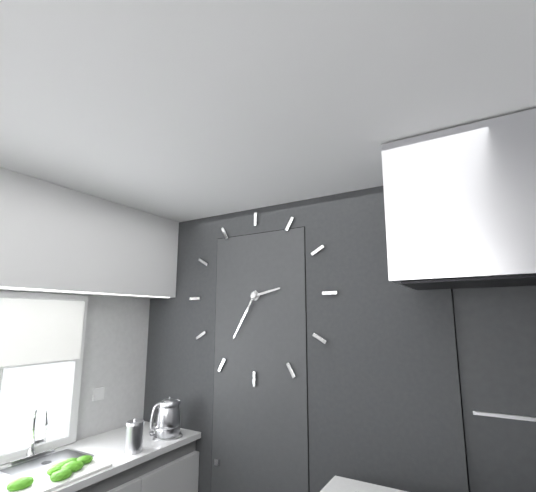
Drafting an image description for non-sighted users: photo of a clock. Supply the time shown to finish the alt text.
2:35
